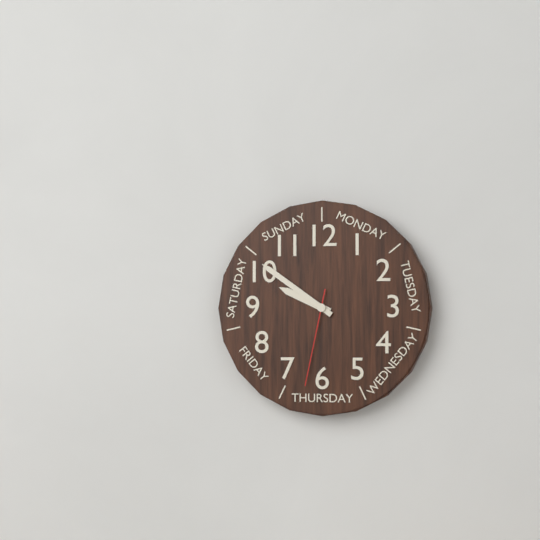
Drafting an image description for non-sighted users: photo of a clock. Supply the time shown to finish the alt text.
9:51:32
